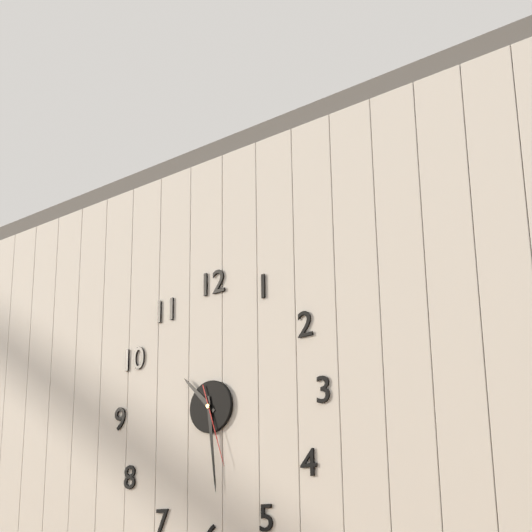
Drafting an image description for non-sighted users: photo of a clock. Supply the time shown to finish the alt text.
10:29:27
